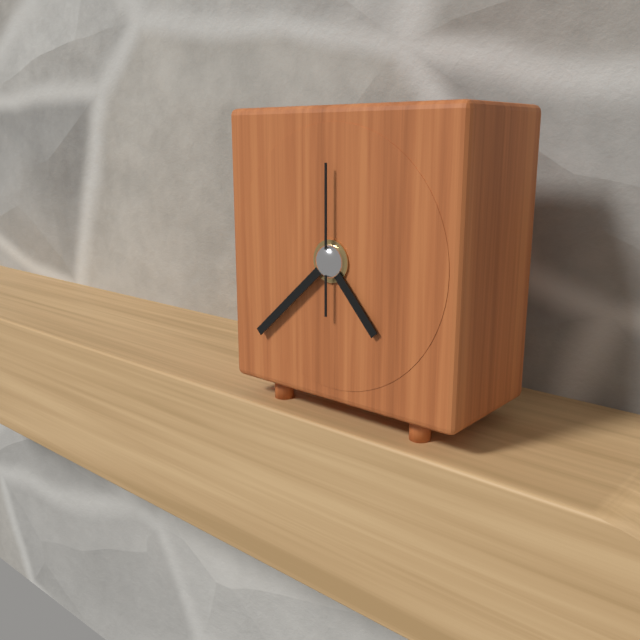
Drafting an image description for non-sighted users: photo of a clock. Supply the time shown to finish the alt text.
4:38:00
